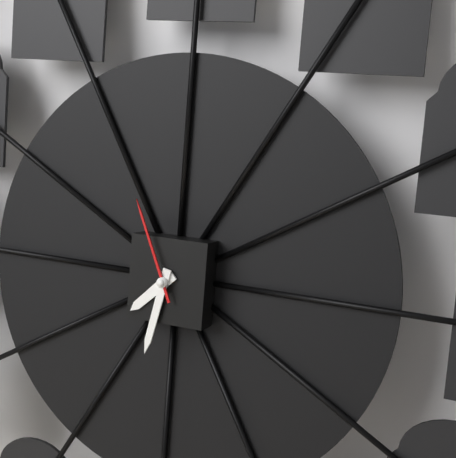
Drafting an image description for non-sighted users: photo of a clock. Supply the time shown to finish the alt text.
7:32:56
